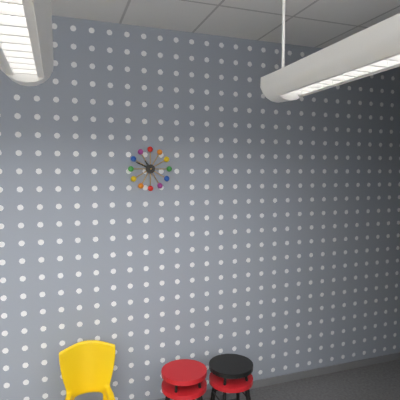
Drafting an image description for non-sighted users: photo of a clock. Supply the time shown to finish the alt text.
10:49
